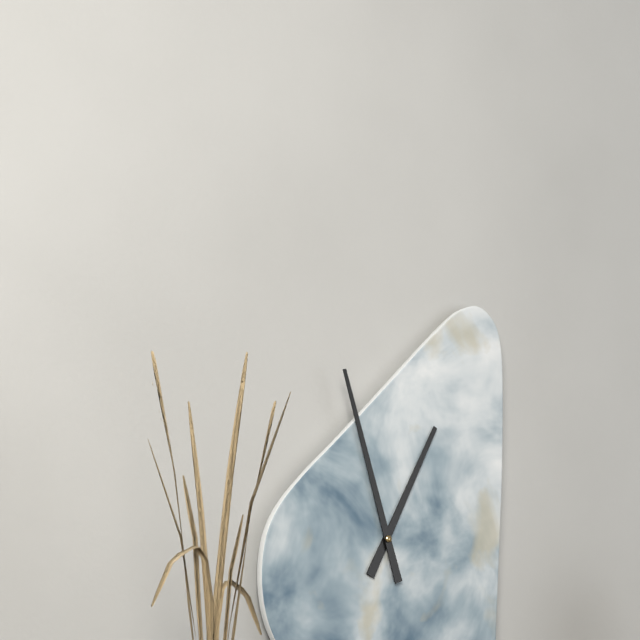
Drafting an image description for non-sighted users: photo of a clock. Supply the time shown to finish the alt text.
12:57
